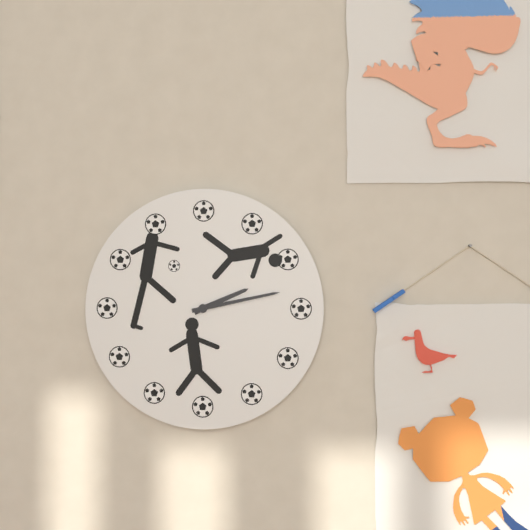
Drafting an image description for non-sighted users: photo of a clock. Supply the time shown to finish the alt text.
2:13
